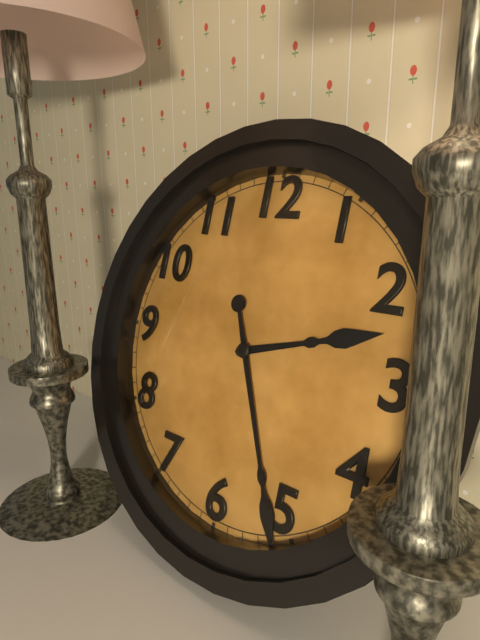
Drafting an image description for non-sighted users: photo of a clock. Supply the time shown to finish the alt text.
2:26
